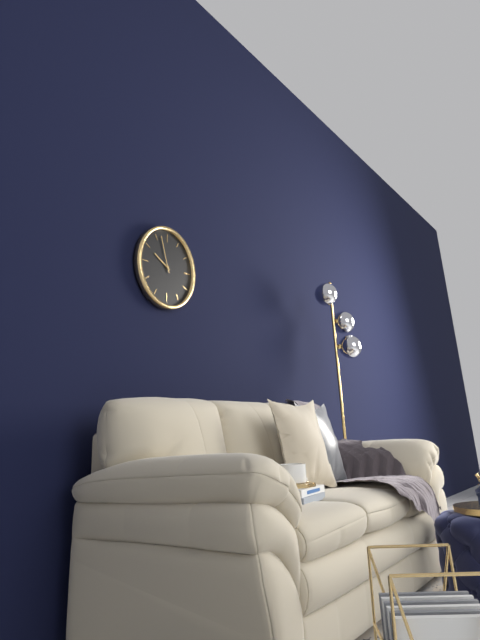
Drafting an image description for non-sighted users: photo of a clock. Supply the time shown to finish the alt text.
9:57
